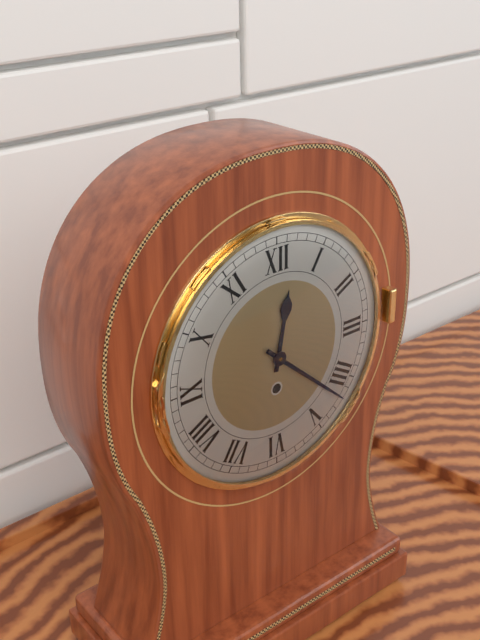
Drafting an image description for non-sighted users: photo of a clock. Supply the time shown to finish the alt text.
12:22
